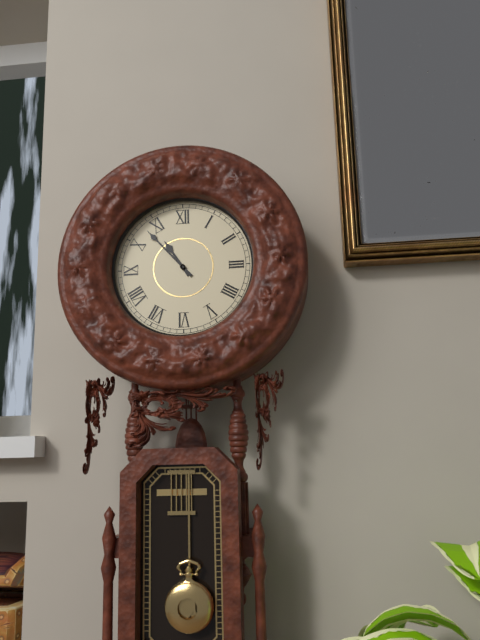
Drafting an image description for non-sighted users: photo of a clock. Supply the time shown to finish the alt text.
10:53
